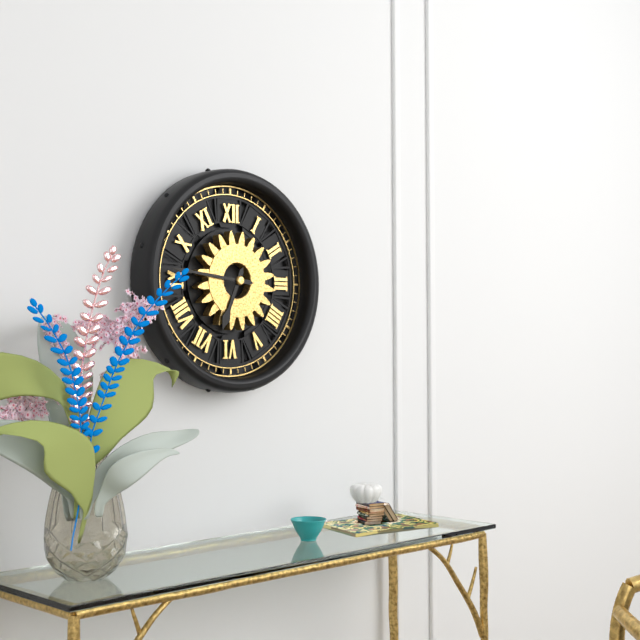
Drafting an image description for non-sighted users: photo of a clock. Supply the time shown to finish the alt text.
6:46
